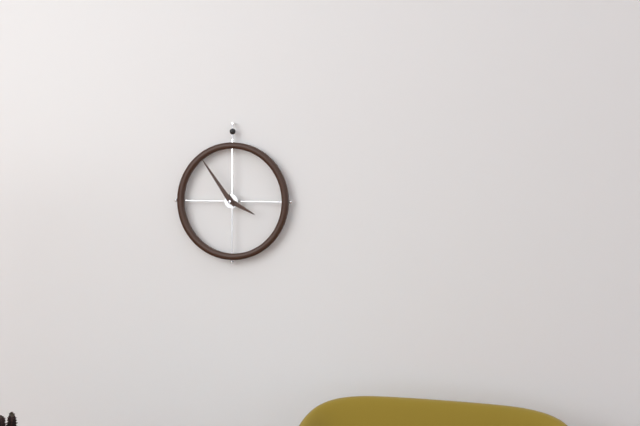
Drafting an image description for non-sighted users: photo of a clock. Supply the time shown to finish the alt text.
3:54
